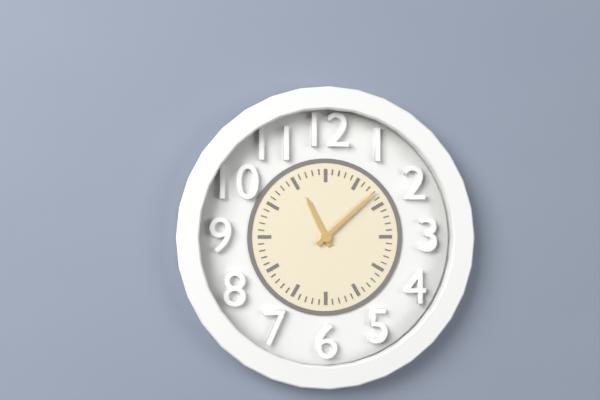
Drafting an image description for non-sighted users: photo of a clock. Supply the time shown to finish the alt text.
11:08
